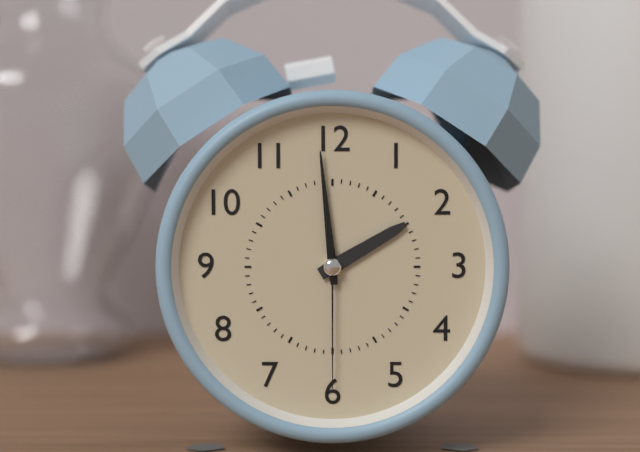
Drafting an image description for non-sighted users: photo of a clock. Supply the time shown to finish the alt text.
1:59:30
